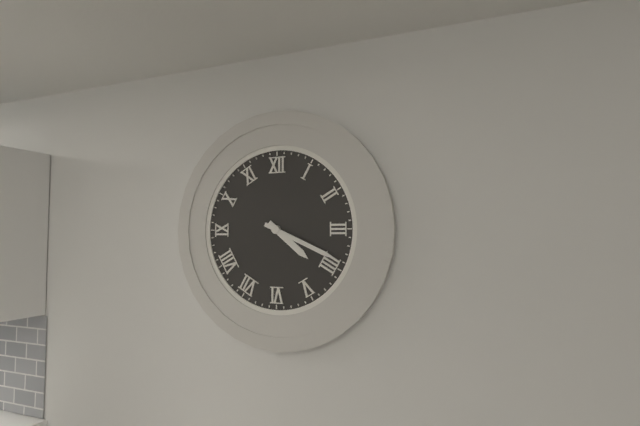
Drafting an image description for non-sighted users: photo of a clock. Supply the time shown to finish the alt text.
4:19
